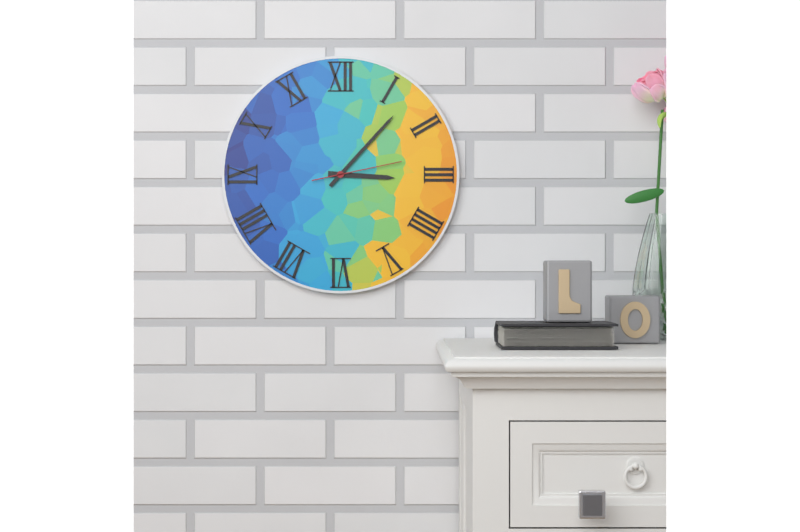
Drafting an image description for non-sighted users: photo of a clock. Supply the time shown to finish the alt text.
3:07:13
